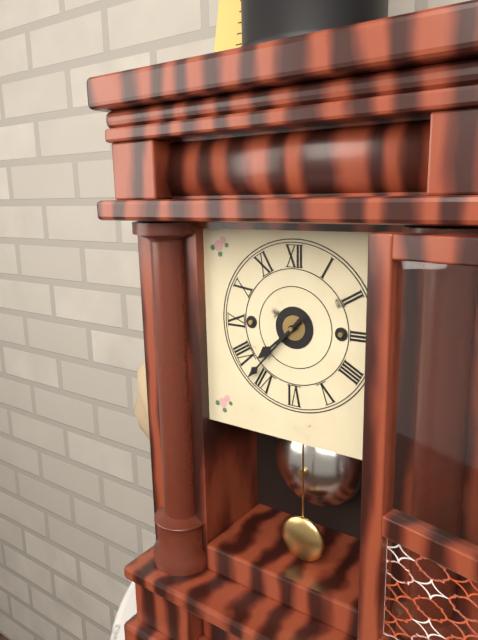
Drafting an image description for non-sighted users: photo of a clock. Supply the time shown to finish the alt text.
7:37
